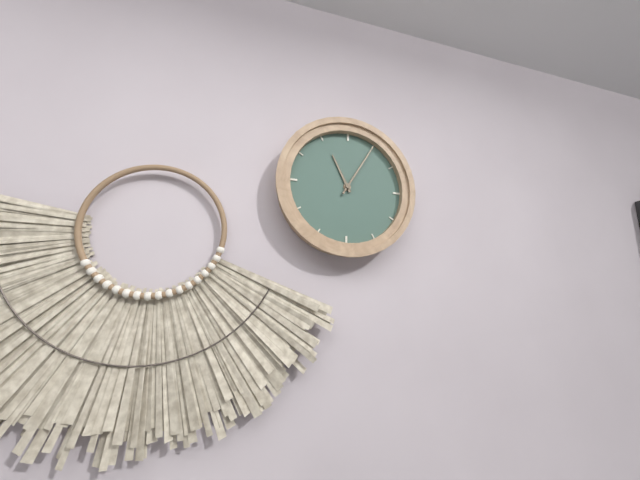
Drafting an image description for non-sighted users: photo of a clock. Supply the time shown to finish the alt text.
11:05
